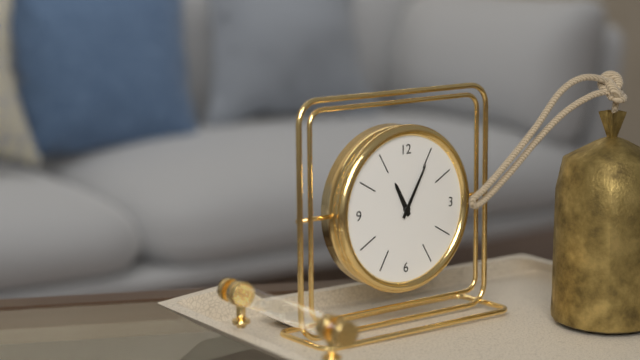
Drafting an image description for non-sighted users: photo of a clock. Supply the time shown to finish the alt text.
11:05
